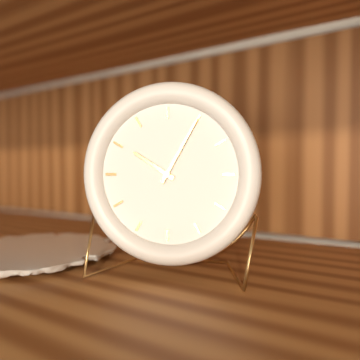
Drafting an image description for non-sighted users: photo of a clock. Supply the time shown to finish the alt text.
10:05
